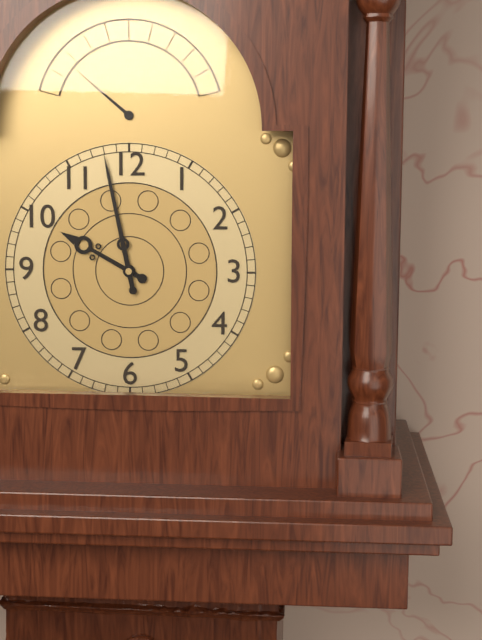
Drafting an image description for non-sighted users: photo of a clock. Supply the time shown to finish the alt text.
9:58
